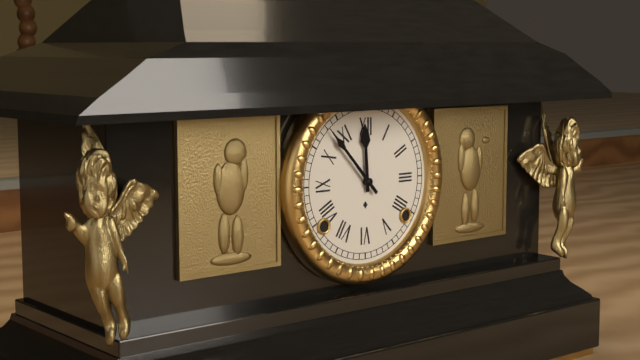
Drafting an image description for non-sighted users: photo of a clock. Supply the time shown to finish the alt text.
11:53
